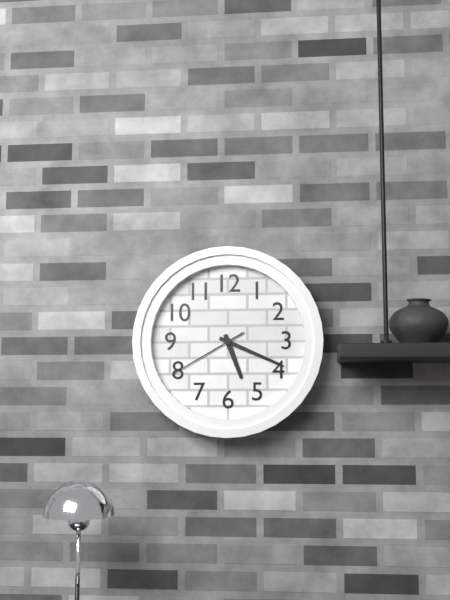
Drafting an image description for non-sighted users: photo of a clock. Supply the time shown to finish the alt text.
5:19:40
